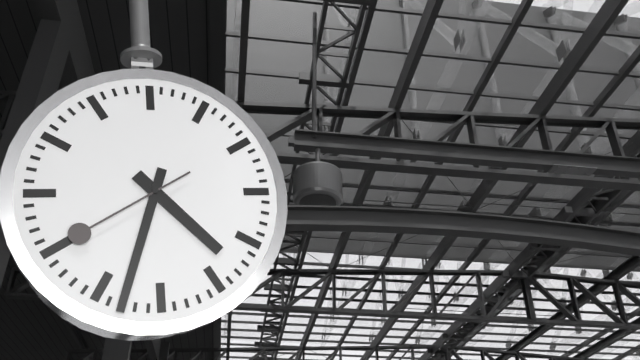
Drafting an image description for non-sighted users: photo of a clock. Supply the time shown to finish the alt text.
4:33:40
